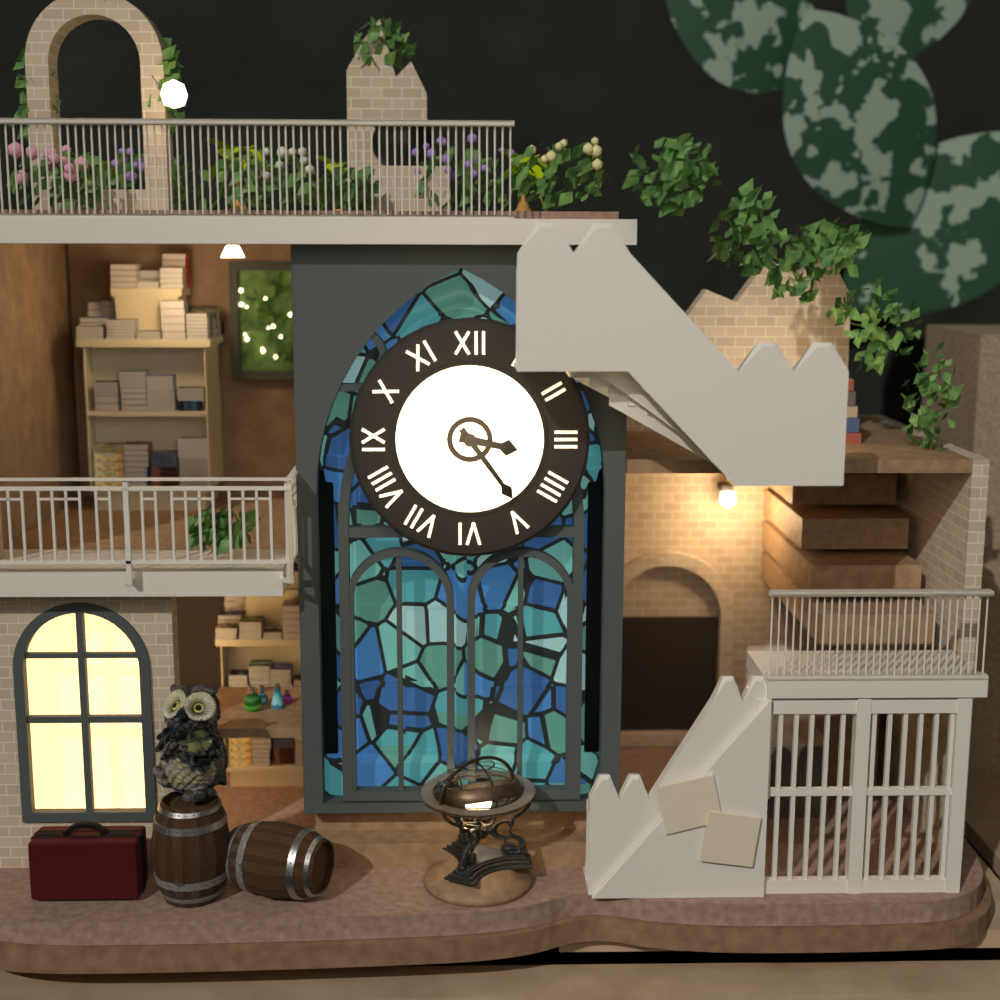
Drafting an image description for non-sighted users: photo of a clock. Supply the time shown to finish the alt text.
3:24
